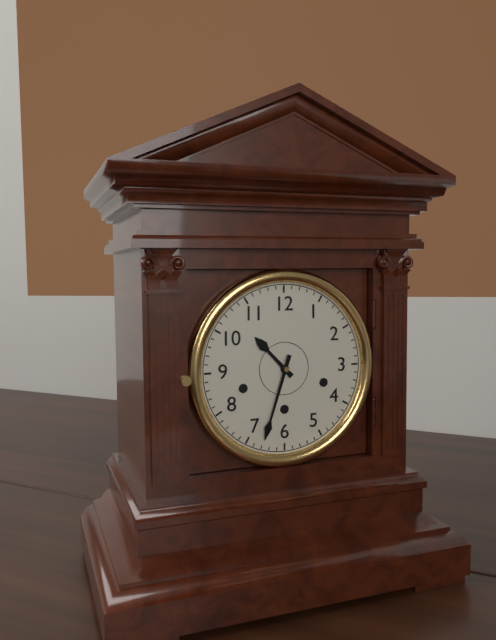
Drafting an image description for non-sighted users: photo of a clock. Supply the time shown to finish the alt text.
10:33
